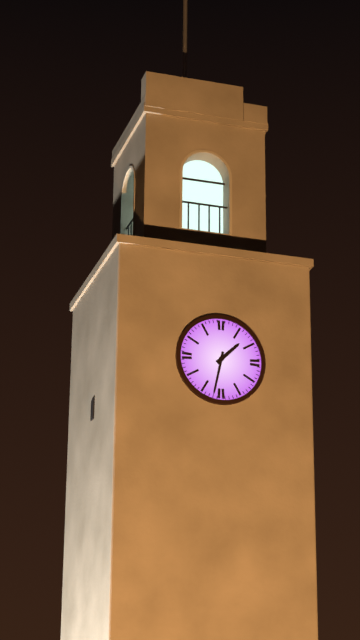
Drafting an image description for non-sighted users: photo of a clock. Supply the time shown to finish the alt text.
1:32
